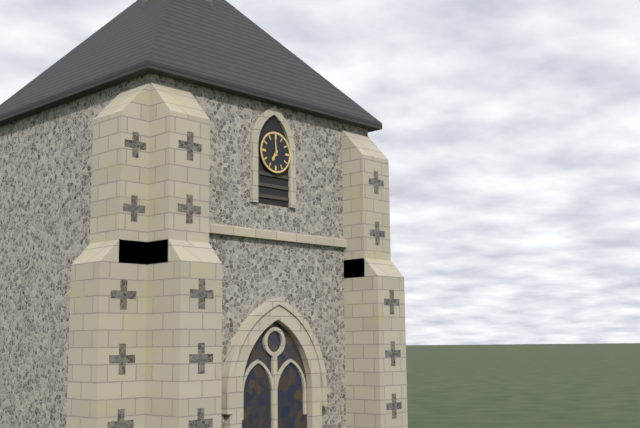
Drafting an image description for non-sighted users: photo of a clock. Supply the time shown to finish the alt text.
6:59
